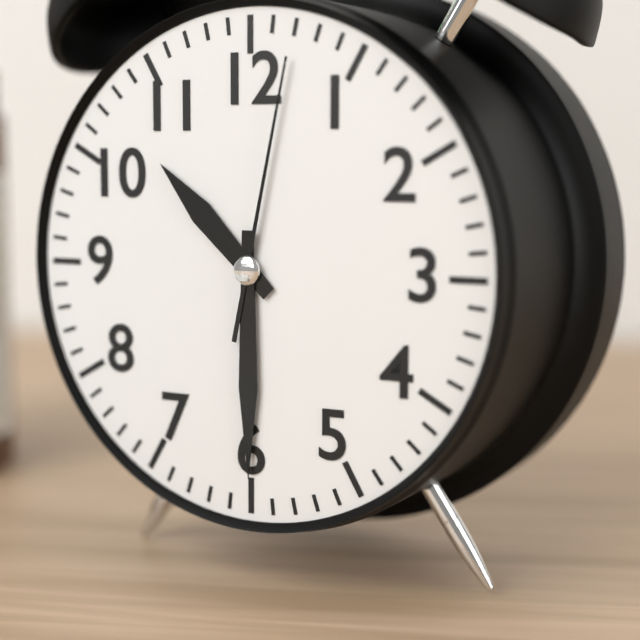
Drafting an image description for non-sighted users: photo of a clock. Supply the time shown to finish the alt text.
10:30:02
